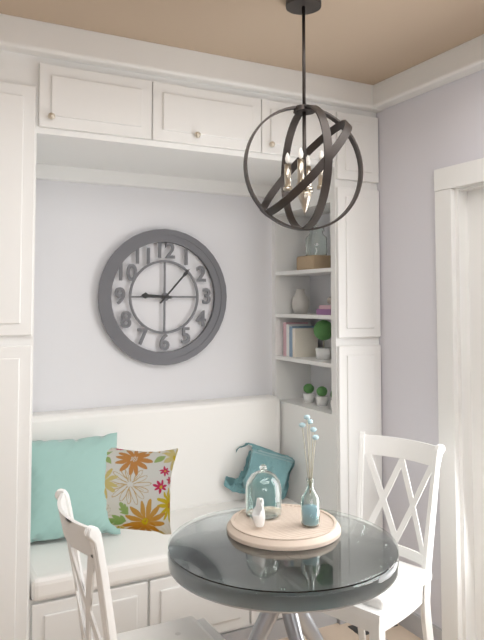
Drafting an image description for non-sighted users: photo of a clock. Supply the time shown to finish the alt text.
9:07
